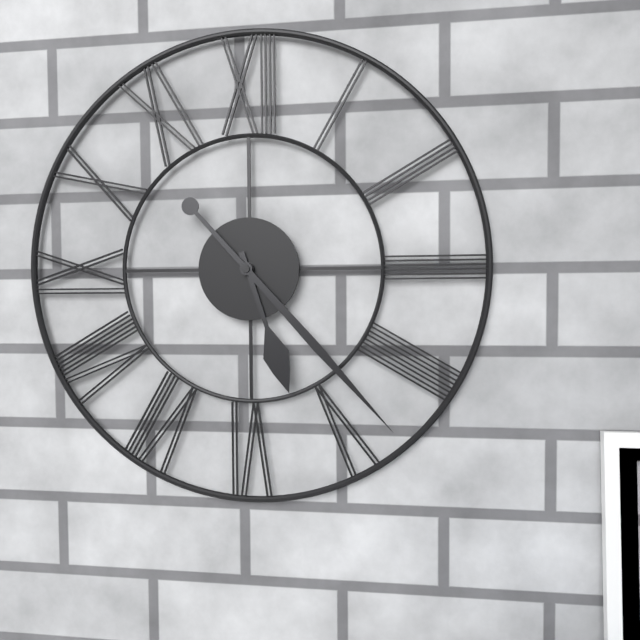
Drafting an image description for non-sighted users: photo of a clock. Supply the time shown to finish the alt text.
5:23
